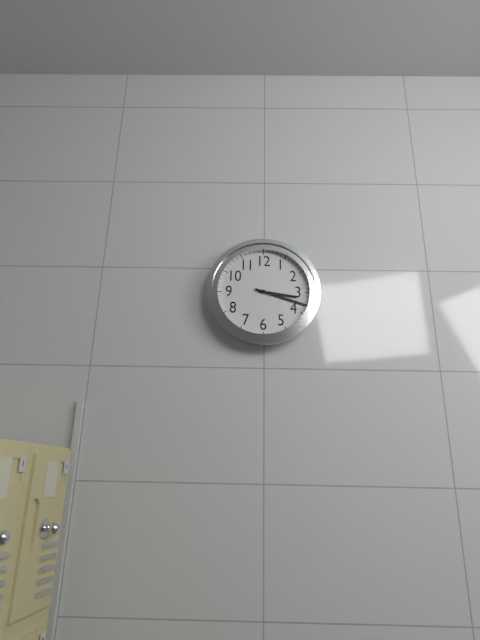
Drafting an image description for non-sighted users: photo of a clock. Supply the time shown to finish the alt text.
3:18
